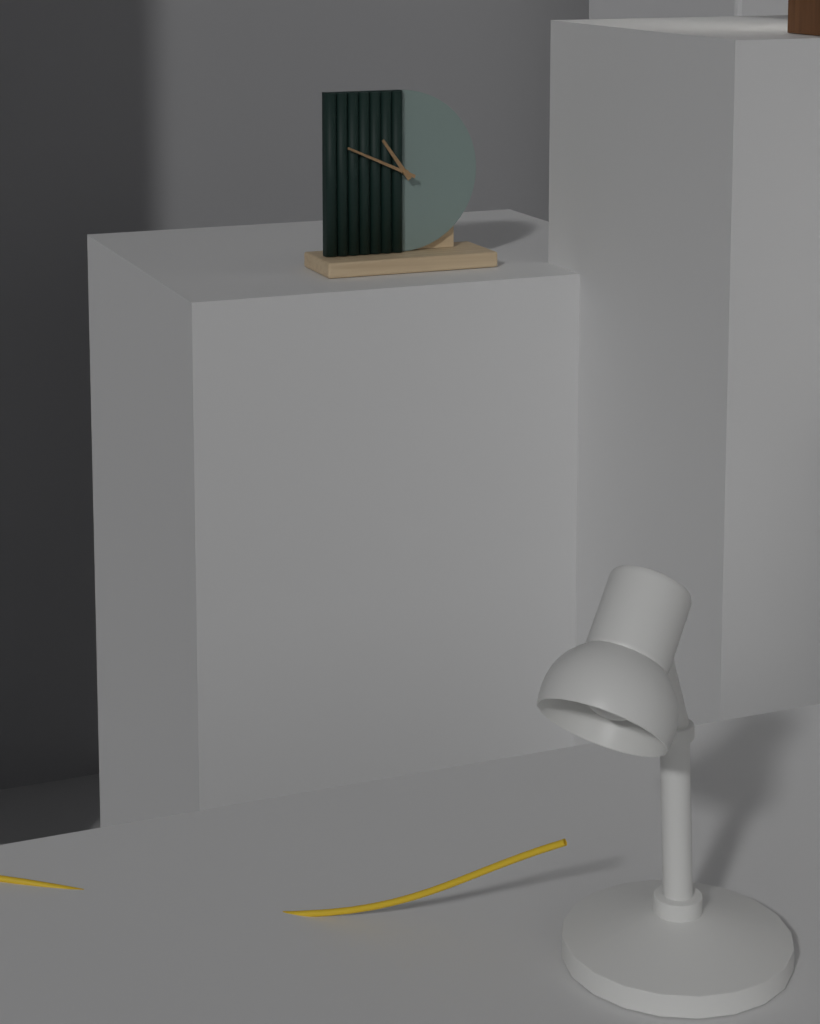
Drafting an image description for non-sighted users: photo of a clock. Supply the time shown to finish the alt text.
10:49
